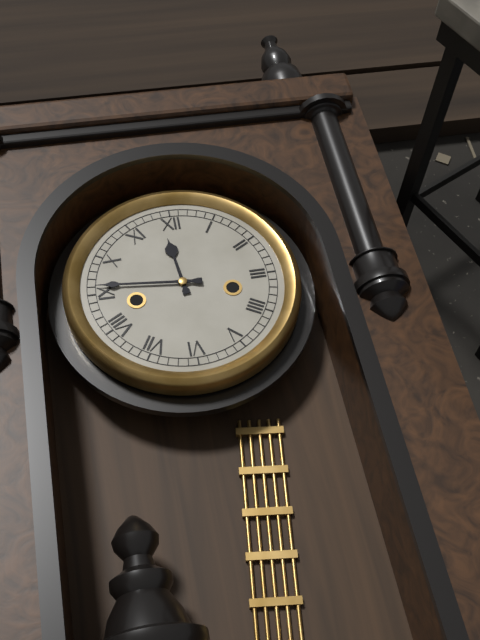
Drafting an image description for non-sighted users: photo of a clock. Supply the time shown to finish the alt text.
11:46
